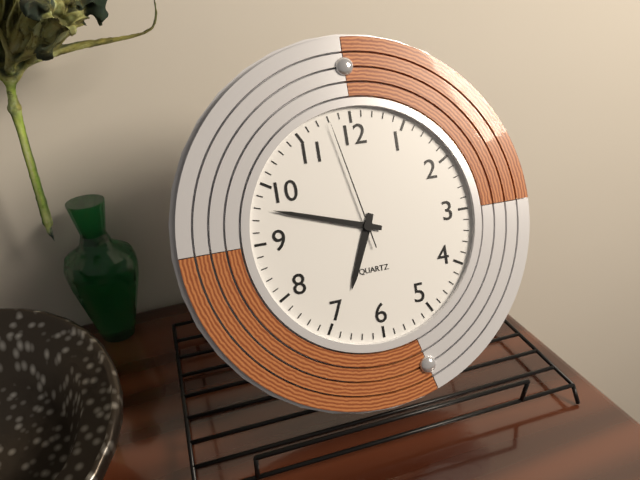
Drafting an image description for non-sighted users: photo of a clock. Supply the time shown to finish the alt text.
6:48:58
